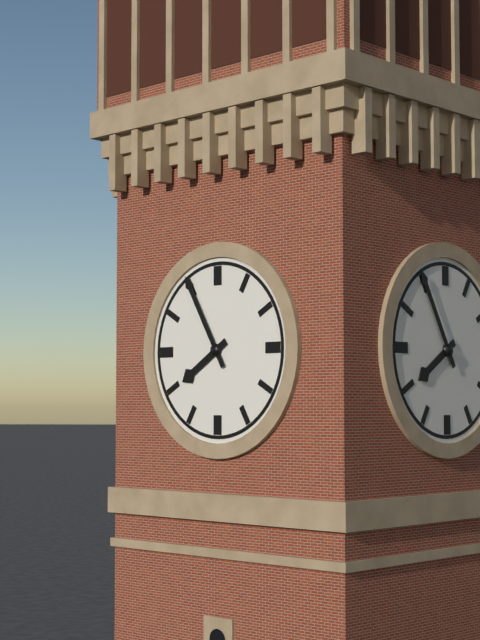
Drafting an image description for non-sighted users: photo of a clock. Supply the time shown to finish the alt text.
7:55
